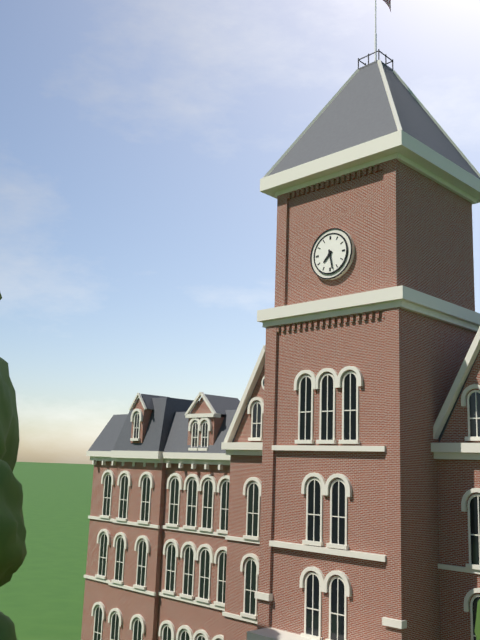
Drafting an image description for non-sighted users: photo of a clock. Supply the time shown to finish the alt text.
7:28
